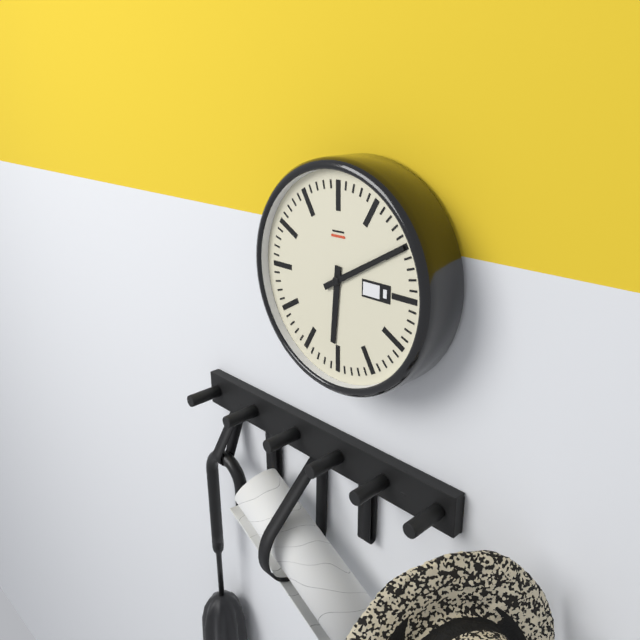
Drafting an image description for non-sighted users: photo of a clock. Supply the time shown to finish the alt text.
6:10
